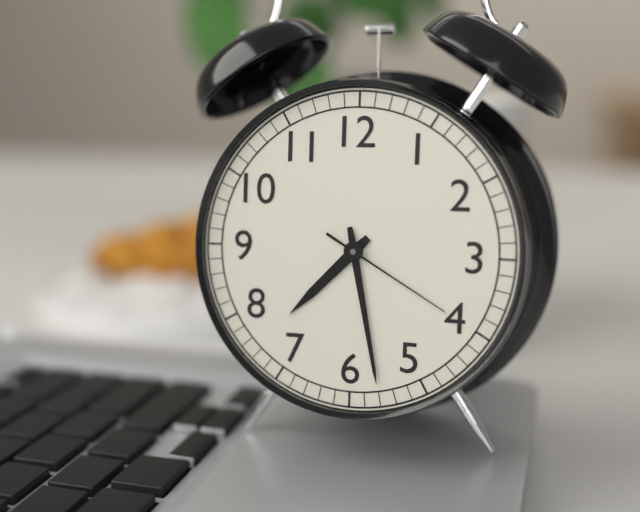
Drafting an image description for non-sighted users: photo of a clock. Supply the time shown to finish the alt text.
7:28:20
